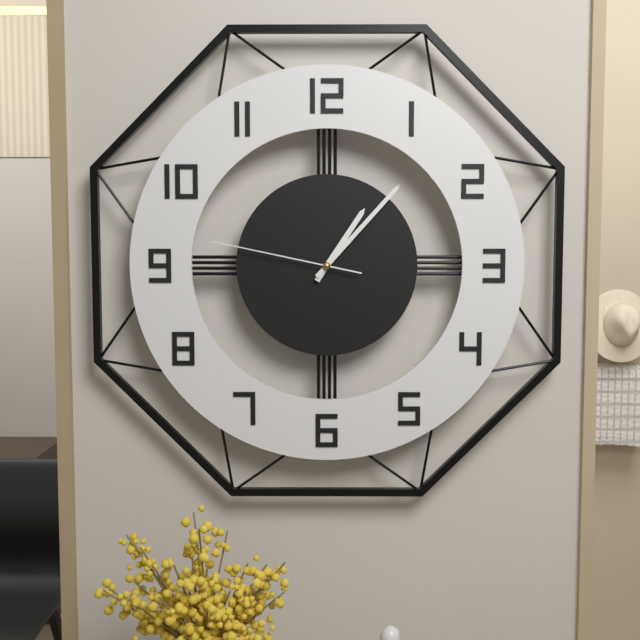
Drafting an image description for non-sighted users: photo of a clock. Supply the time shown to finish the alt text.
1:07:47
